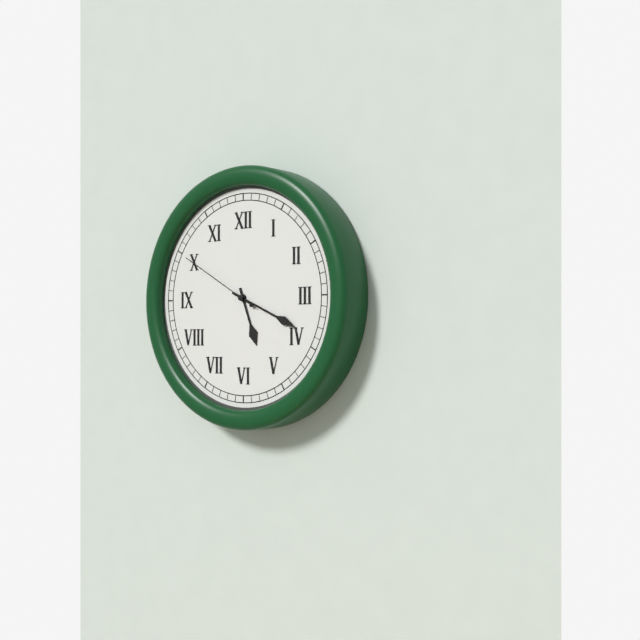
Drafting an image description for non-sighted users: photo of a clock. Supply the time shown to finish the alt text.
5:19:50
